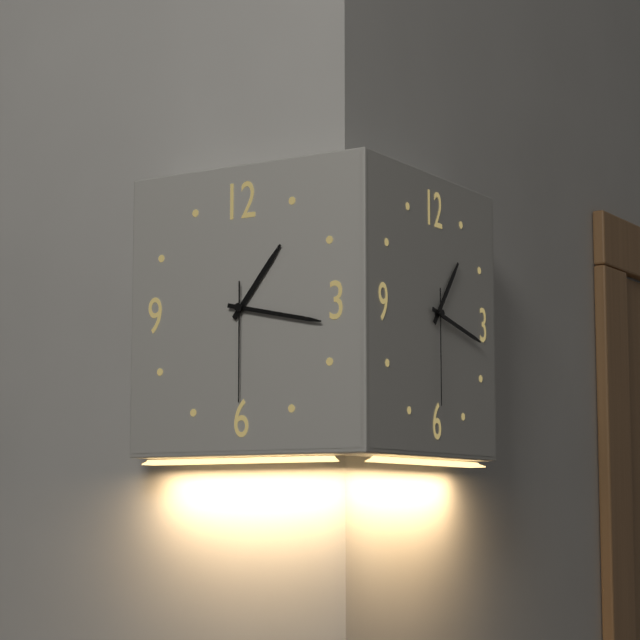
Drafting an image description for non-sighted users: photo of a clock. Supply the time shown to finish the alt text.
1:17:30
